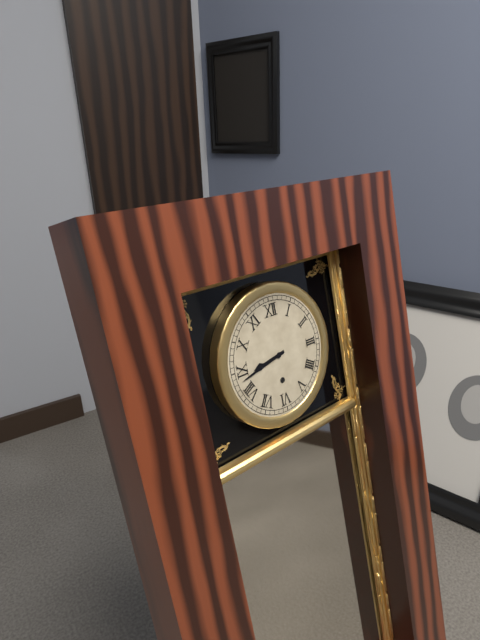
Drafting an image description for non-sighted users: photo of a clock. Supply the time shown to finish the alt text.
8:43
